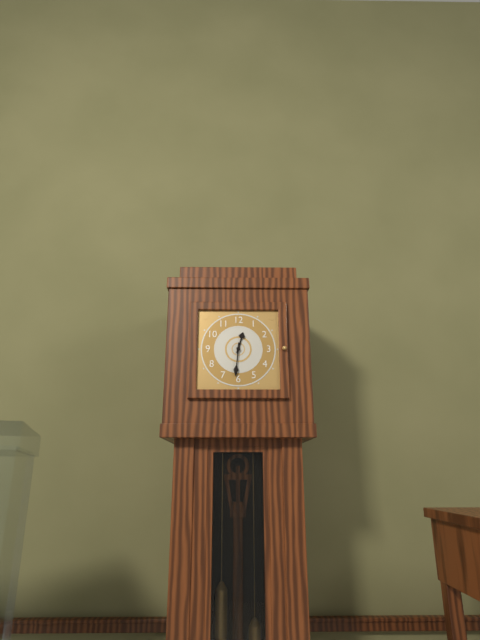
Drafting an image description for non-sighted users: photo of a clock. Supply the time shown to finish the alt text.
12:31
